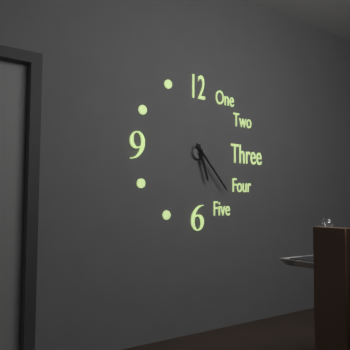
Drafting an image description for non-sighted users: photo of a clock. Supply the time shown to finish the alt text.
5:23
